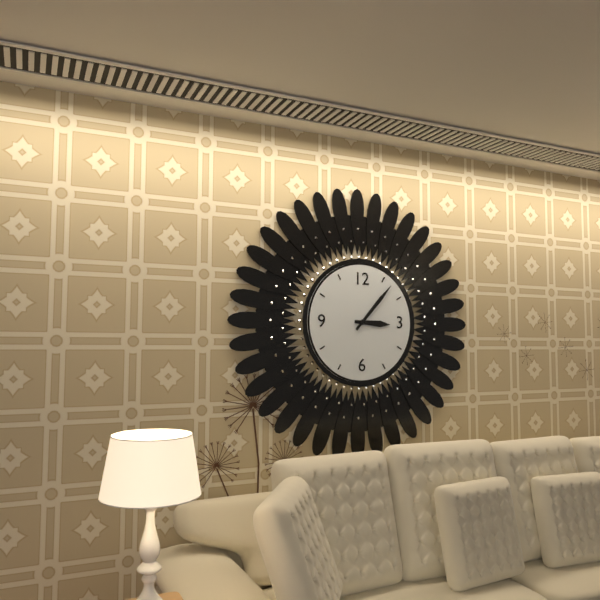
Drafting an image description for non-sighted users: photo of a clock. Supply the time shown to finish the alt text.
3:07
